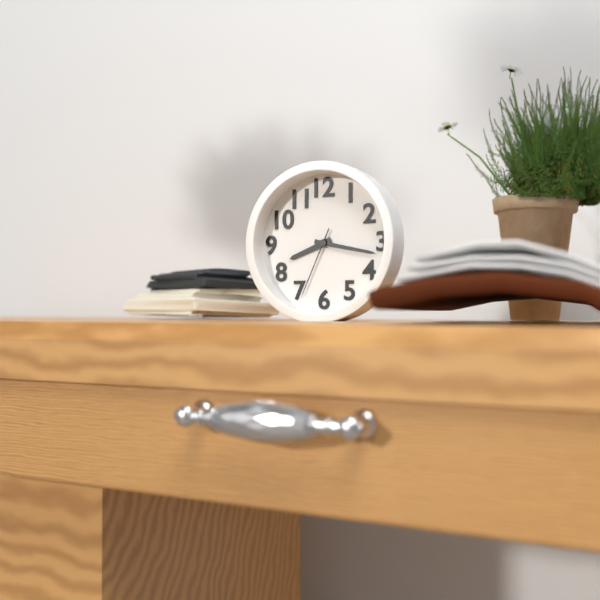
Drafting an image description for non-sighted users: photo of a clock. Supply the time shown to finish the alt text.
8:17:34
